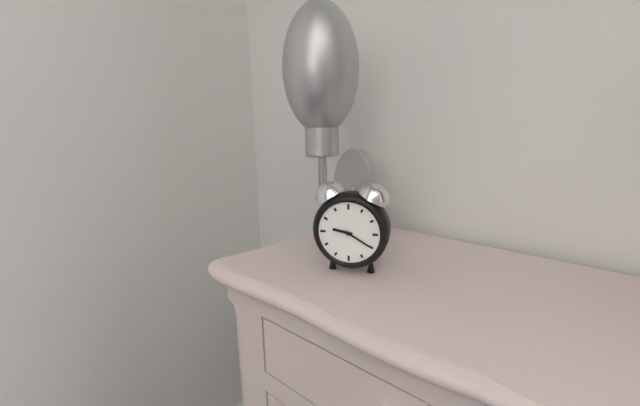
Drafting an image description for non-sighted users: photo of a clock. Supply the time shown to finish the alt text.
9:20
